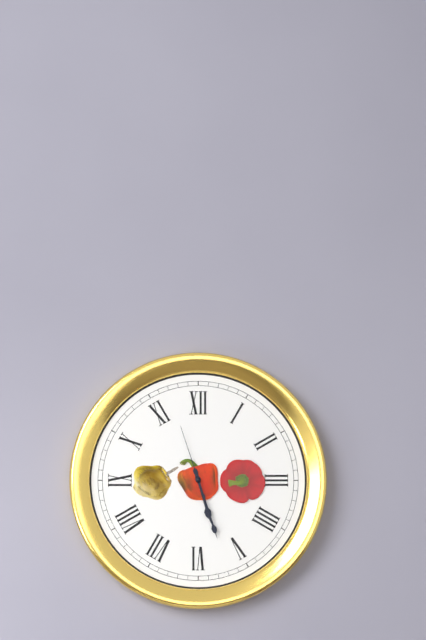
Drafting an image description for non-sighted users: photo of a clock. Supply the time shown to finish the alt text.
5:27:57
